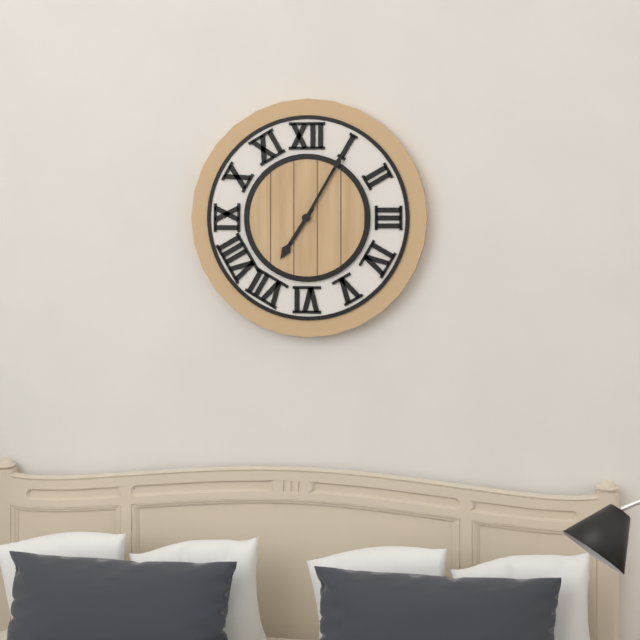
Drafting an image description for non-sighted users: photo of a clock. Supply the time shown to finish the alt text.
7:05
